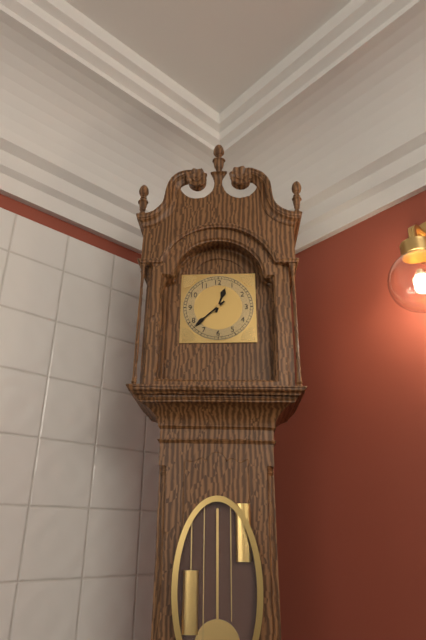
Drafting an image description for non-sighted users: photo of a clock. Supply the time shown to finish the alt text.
12:38
